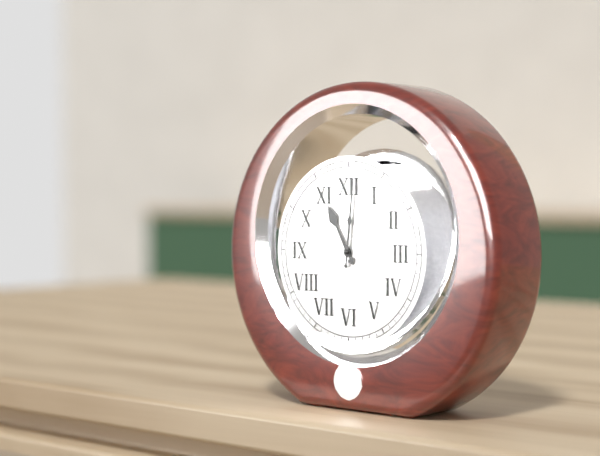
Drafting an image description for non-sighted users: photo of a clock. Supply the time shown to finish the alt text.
11:01
